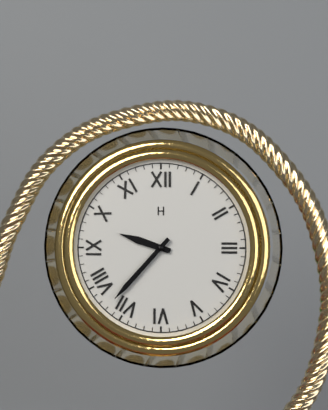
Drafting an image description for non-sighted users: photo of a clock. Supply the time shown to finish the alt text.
9:37
